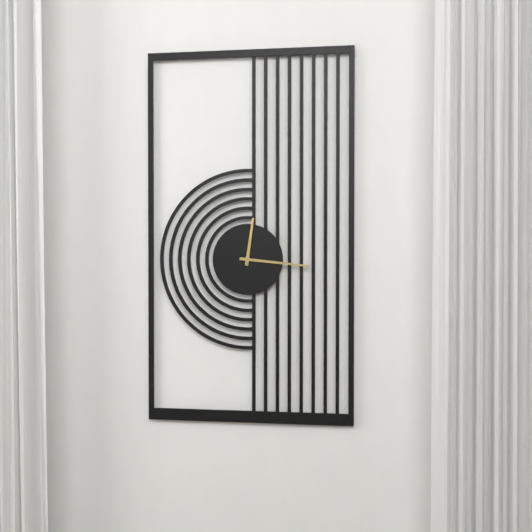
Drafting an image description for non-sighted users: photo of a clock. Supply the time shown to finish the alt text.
12:16
